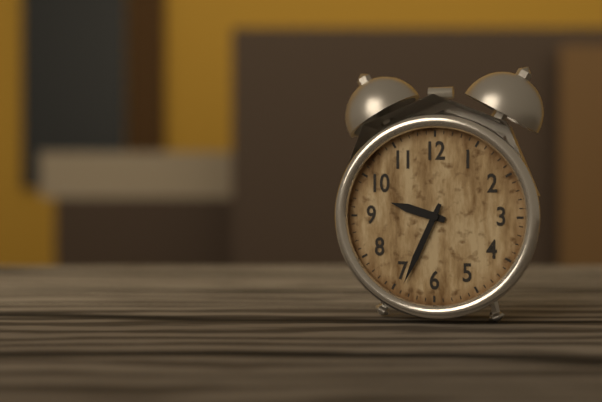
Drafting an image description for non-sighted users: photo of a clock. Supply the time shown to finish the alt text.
9:34
